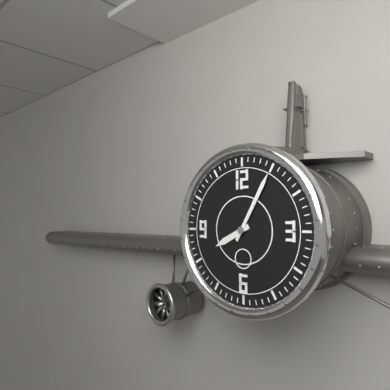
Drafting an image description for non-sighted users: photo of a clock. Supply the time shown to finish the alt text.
8:05
